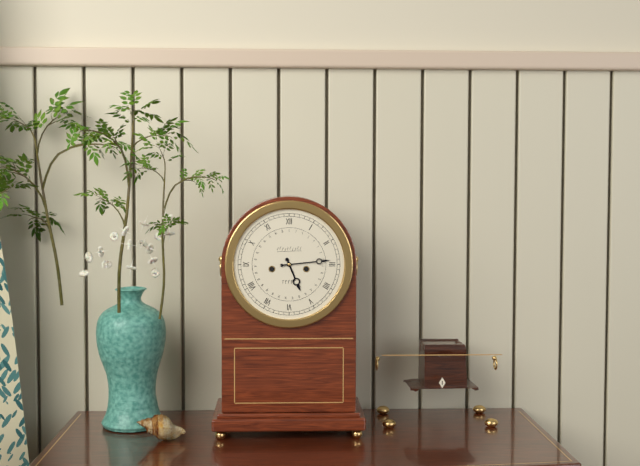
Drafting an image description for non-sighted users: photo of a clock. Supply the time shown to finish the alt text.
5:14
